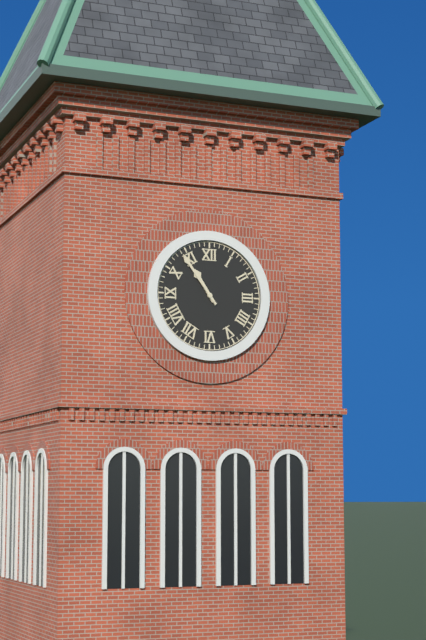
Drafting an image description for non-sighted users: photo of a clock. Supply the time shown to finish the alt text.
10:54
